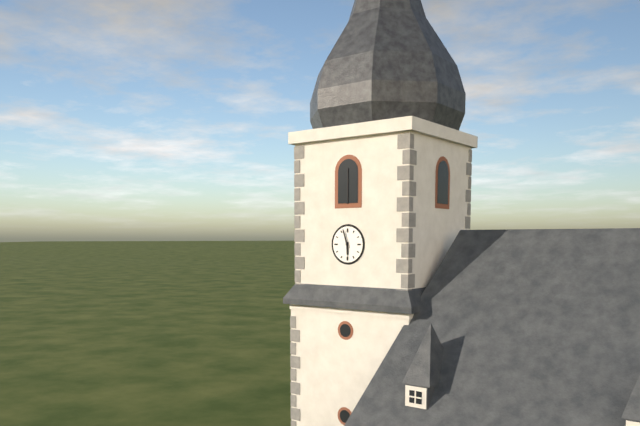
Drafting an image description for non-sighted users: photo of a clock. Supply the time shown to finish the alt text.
5:57
